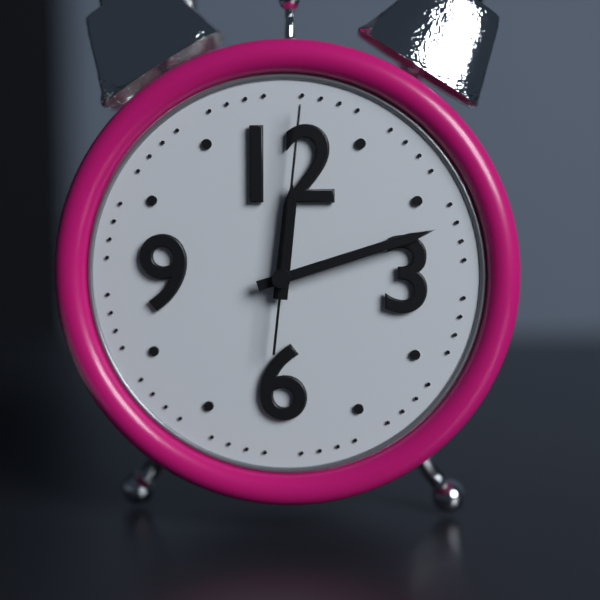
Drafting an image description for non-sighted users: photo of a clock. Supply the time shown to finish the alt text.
12:12:01
